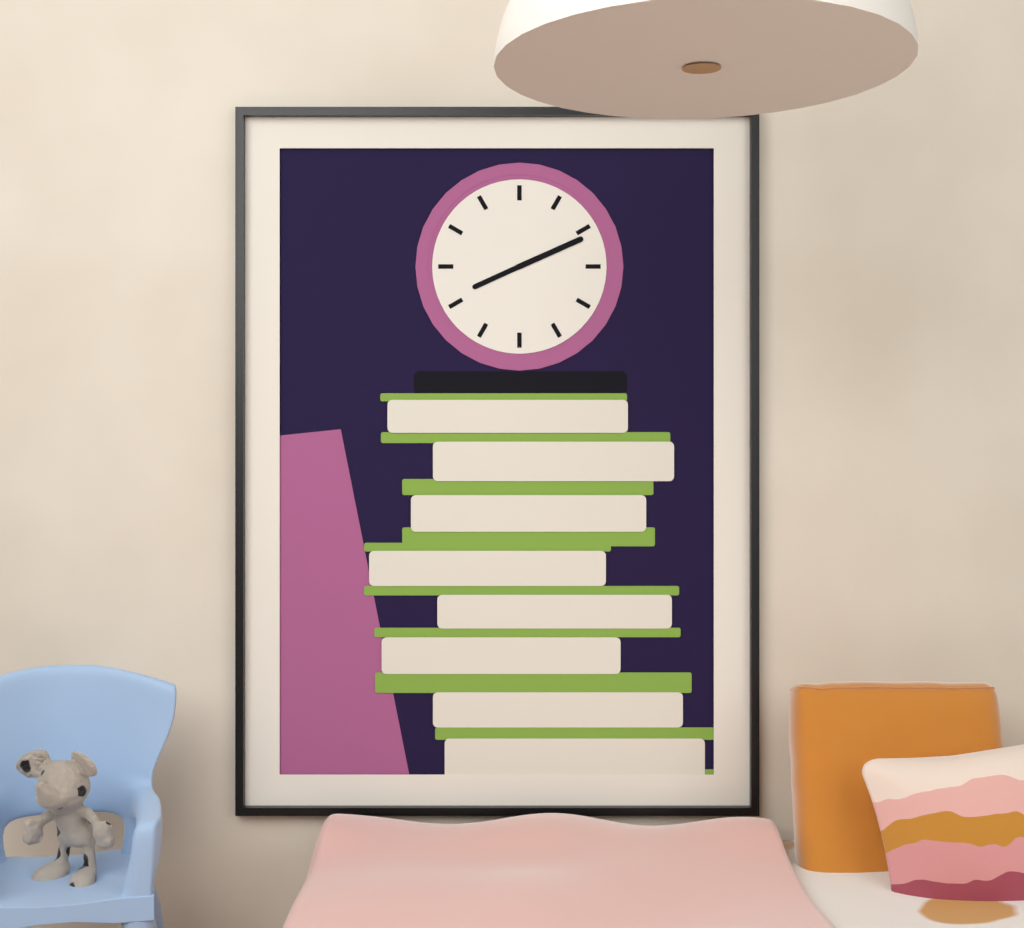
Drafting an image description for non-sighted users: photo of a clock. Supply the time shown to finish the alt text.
8:11
